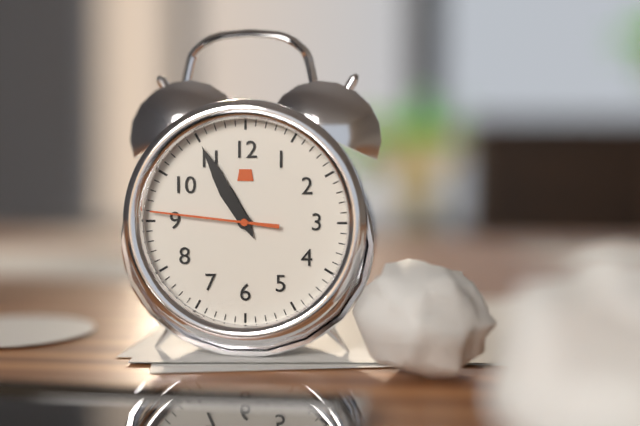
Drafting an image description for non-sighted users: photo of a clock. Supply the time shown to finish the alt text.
10:55:46
